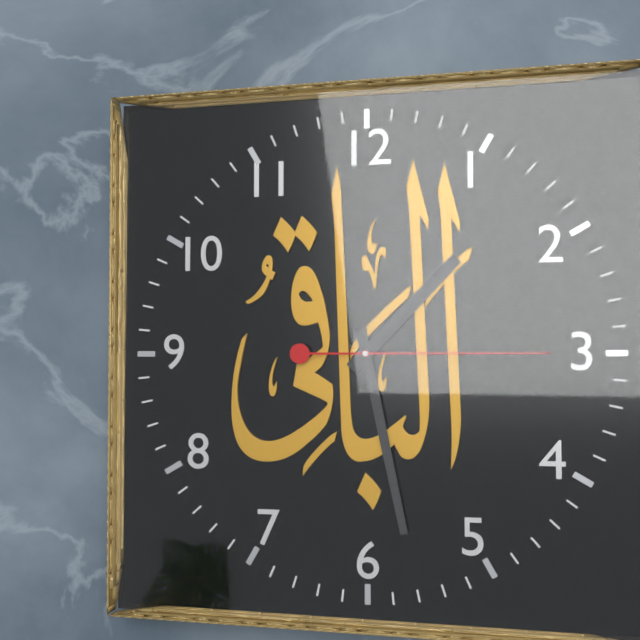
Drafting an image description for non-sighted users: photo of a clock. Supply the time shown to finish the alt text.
1:28:15
